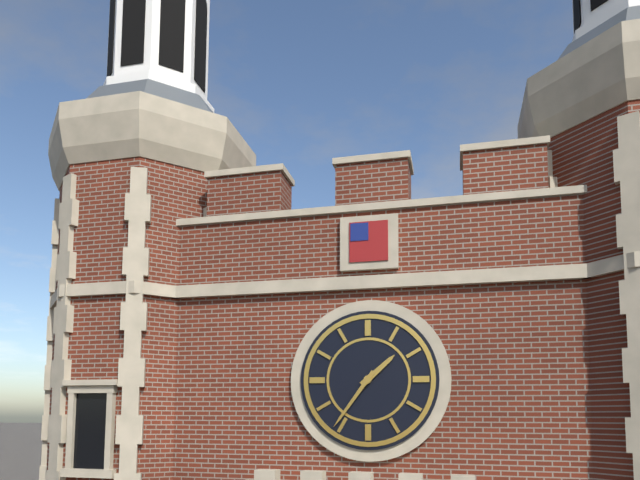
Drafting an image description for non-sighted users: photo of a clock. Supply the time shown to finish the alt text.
1:36
